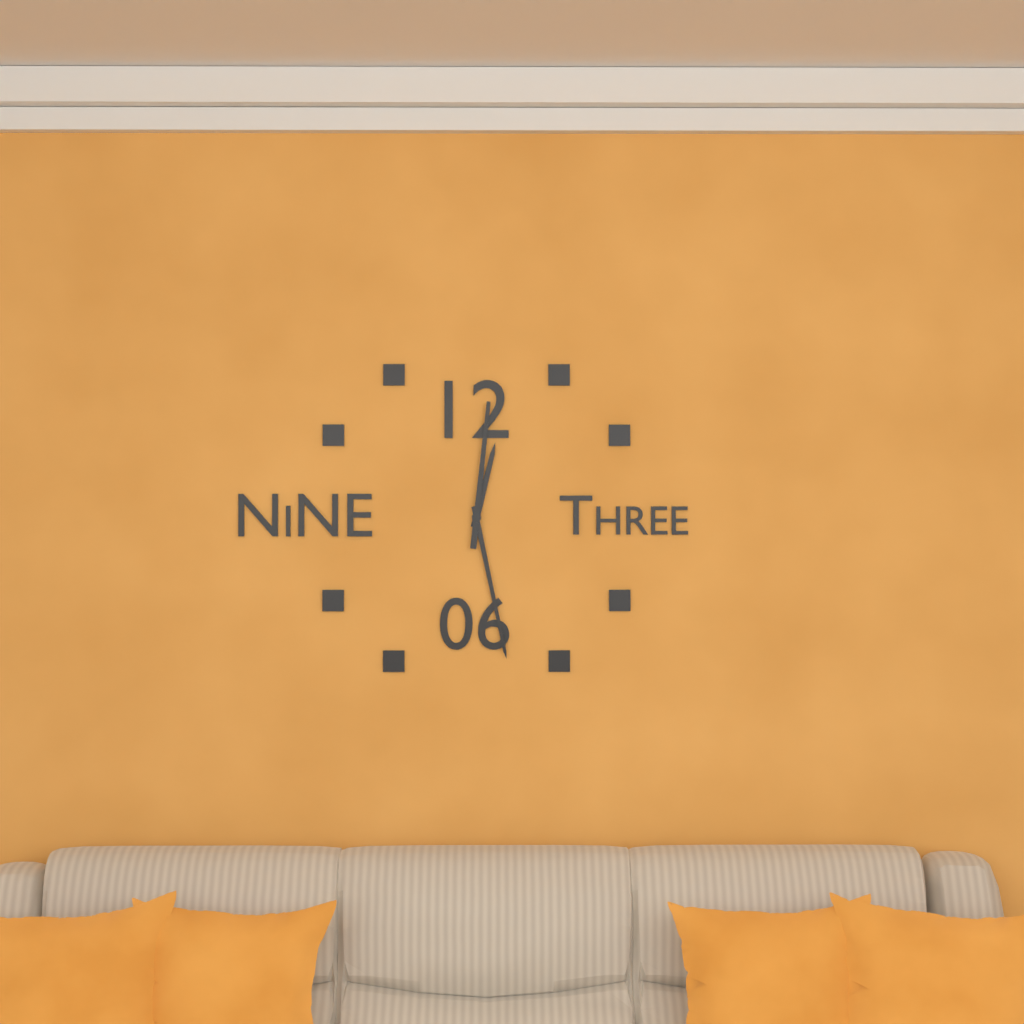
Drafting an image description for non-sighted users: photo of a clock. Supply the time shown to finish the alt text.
12:28:01
